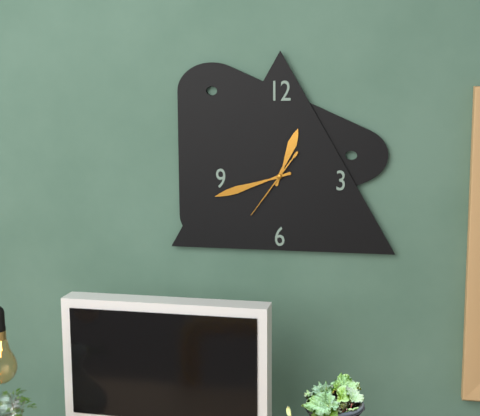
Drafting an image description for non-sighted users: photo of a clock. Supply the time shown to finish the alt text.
12:42:36
